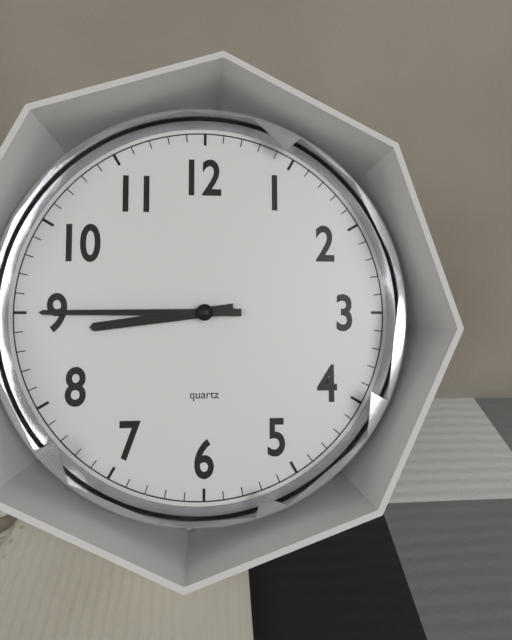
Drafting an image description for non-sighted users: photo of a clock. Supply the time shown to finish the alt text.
8:45
